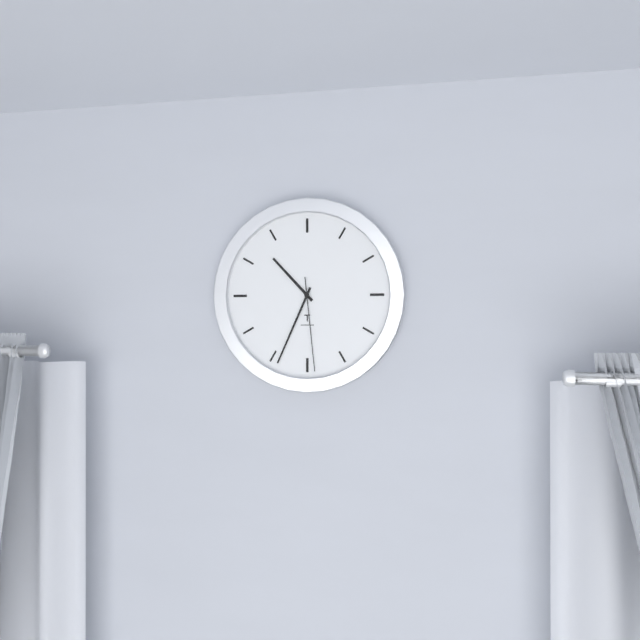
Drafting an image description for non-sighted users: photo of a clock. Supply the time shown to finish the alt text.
10:34:29
